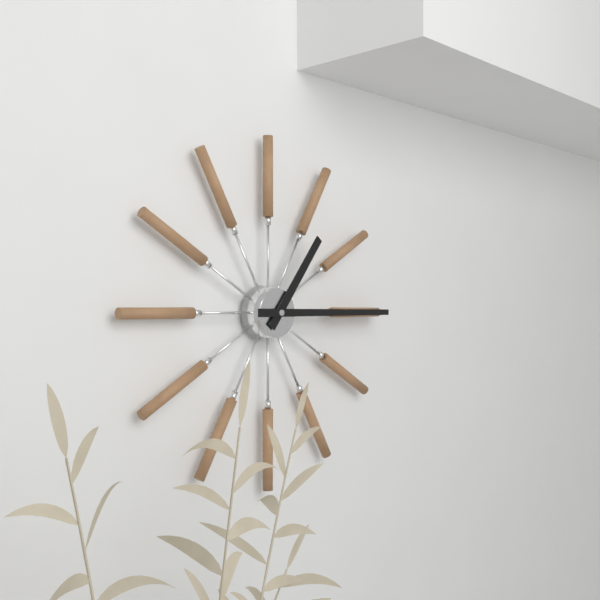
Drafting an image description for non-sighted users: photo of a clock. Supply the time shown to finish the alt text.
1:15
